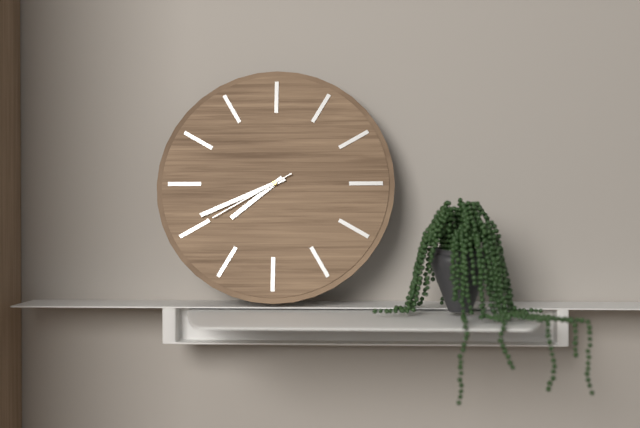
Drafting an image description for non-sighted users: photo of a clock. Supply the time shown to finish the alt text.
7:41:40
